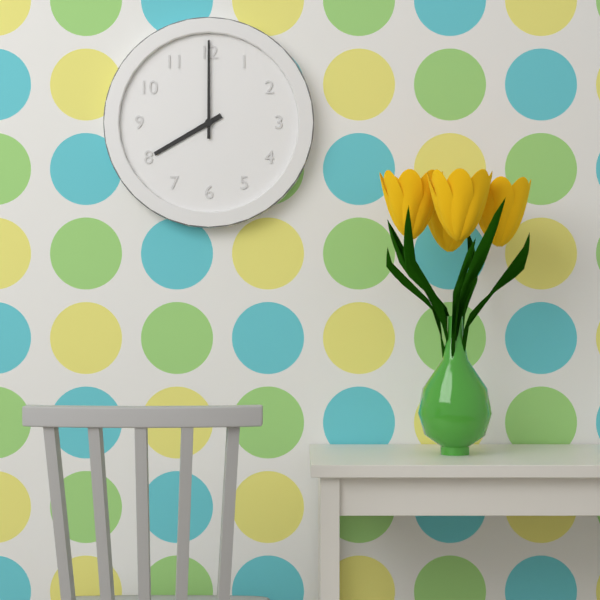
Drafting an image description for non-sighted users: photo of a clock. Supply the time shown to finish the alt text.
8:00
